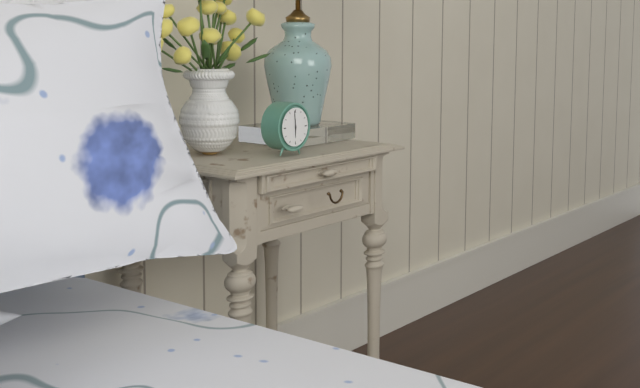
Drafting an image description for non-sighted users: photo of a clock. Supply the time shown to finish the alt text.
5:59
